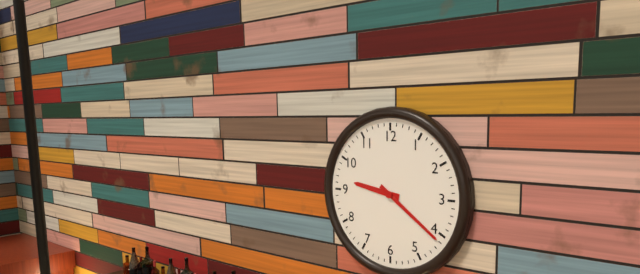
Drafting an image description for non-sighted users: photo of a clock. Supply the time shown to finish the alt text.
9:21
